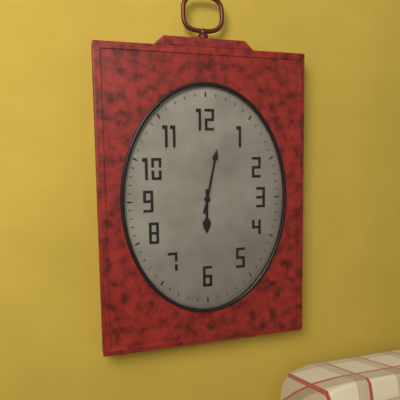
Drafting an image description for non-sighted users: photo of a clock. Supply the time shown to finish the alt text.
6:02
